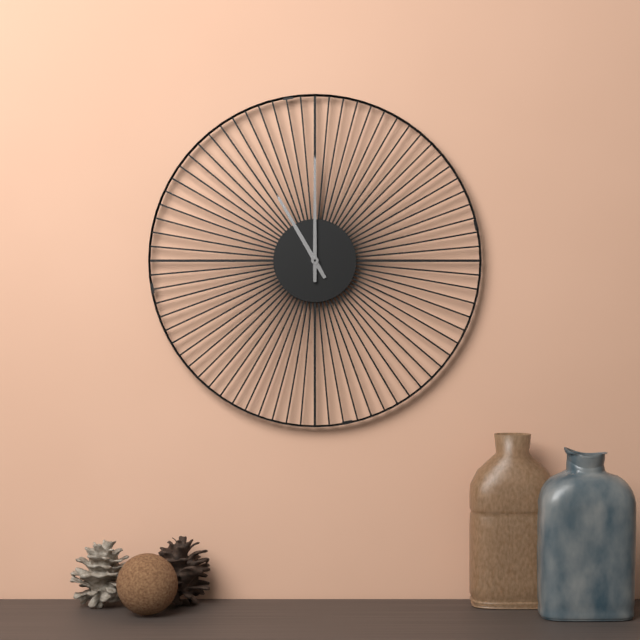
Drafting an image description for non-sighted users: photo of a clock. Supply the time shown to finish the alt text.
11:00
